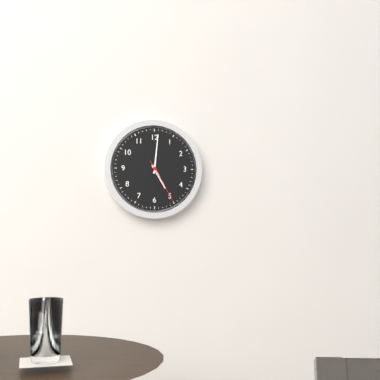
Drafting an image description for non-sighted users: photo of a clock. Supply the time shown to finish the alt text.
5:01
